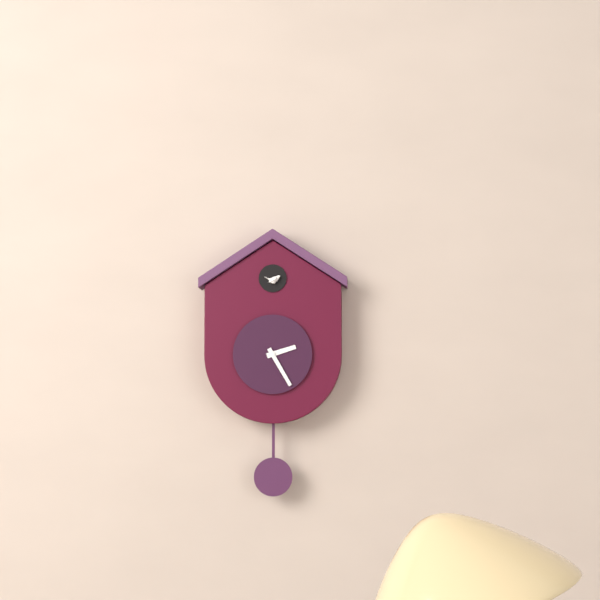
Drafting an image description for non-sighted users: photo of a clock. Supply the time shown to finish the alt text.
2:25
